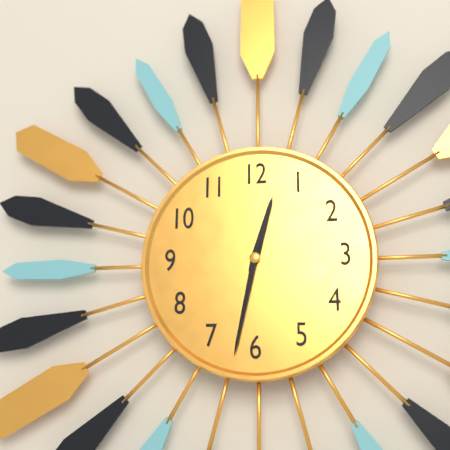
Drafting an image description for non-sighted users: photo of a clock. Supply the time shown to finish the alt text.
12:32
